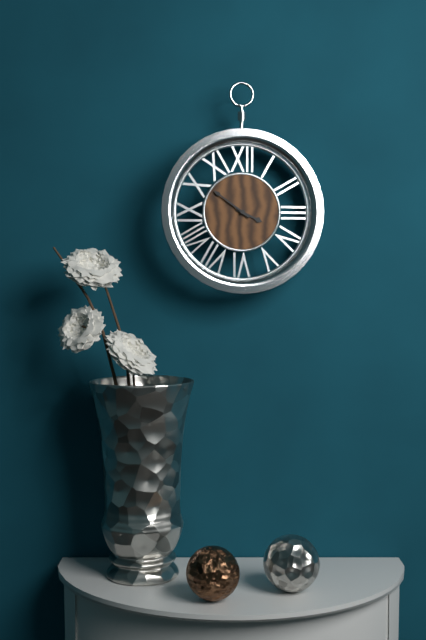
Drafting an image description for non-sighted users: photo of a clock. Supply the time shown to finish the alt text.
3:51
